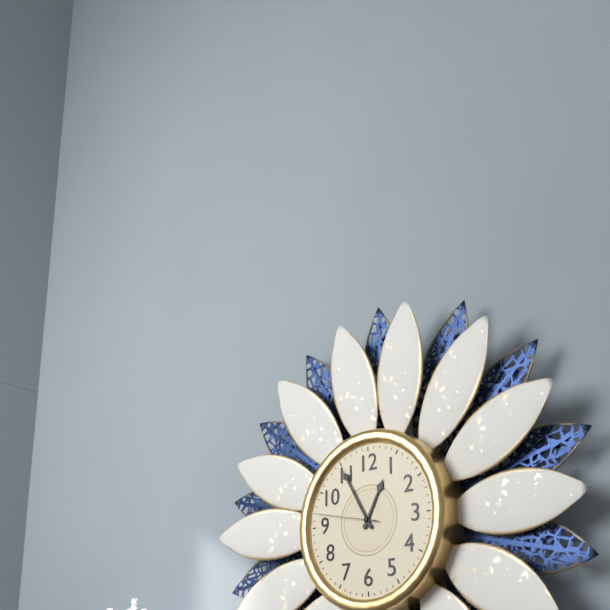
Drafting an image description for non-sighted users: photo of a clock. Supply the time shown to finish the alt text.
12:55:47
